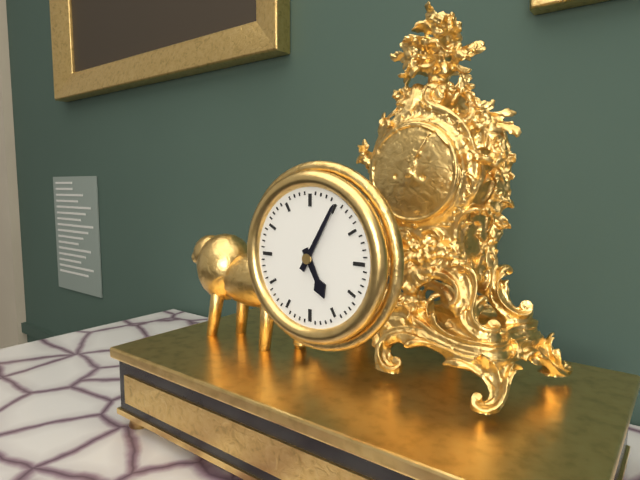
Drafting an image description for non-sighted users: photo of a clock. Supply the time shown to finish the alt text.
5:05
